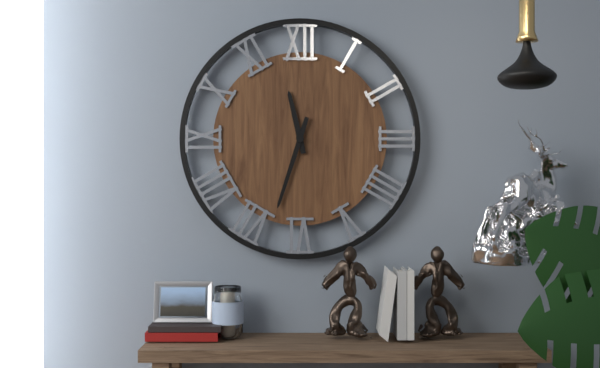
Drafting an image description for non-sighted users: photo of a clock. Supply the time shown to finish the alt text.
11:33
